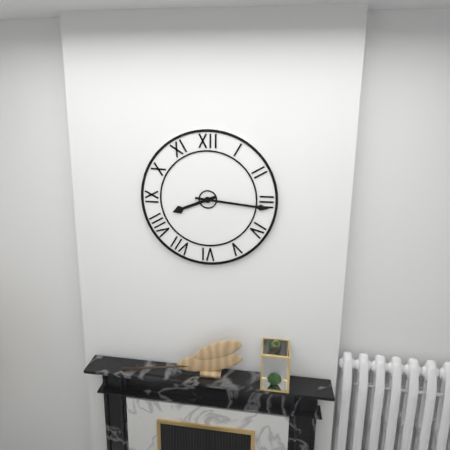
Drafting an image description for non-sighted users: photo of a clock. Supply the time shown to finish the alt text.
8:16
